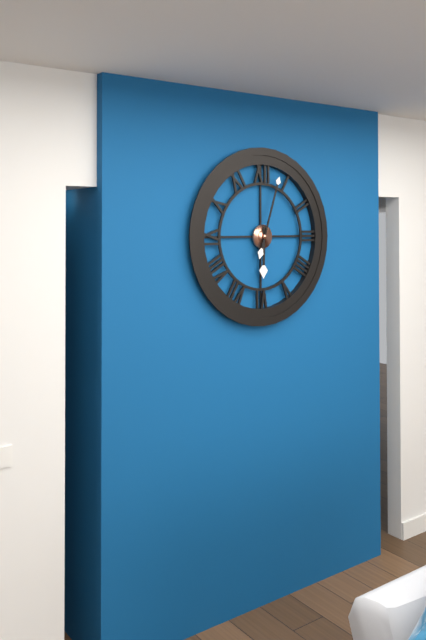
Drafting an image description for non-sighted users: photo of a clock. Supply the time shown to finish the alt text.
6:03
